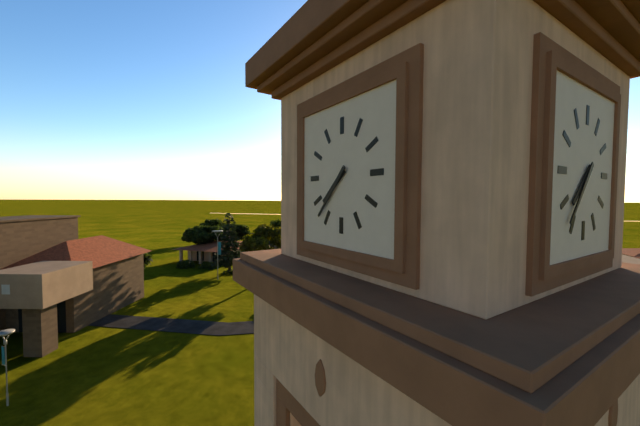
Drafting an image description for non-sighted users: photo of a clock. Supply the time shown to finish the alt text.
7:37
